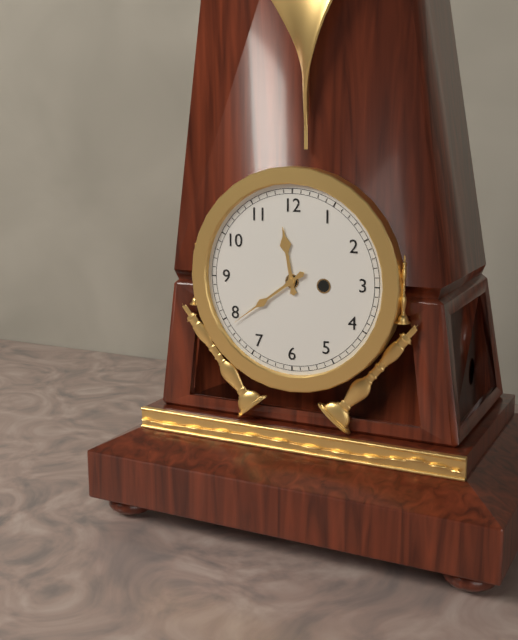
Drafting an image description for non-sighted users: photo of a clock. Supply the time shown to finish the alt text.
11:39
